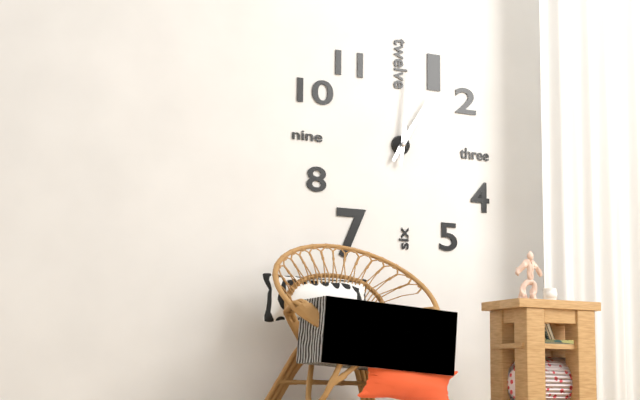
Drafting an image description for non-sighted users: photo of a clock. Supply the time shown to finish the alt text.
1:01
